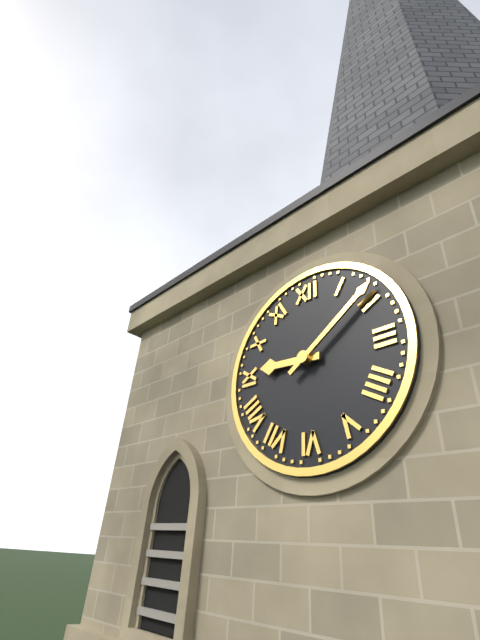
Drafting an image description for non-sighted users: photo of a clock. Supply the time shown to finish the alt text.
9:09
